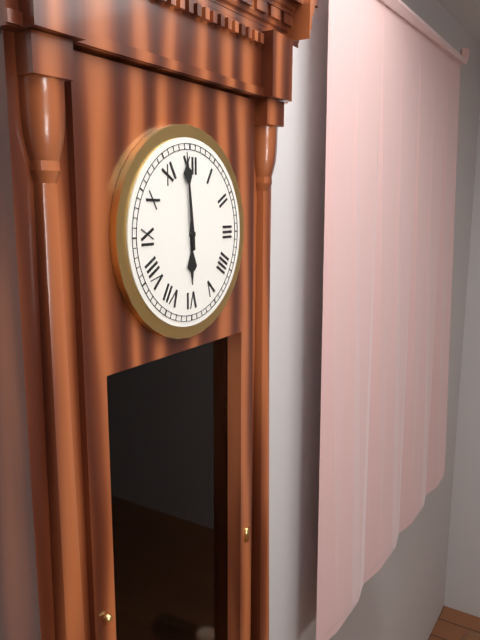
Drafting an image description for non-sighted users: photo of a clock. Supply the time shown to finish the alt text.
5:59
